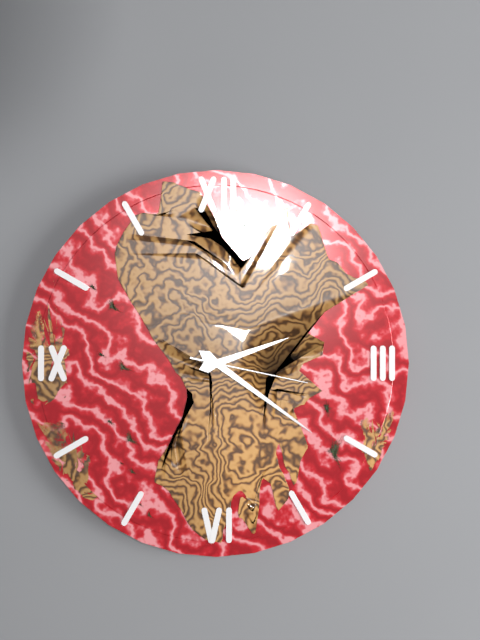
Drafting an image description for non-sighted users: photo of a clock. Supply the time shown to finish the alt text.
2:21:17
